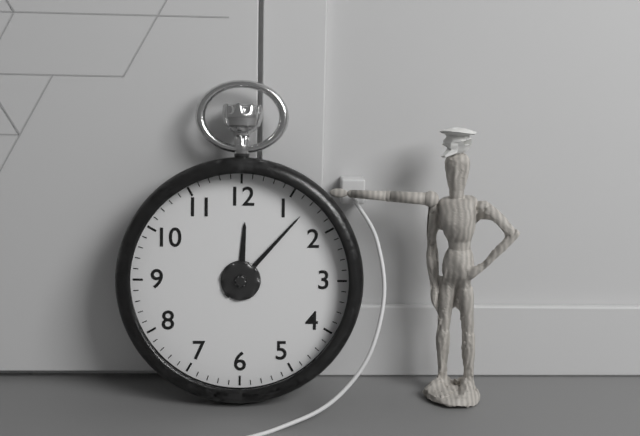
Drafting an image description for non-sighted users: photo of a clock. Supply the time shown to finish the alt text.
12:07
